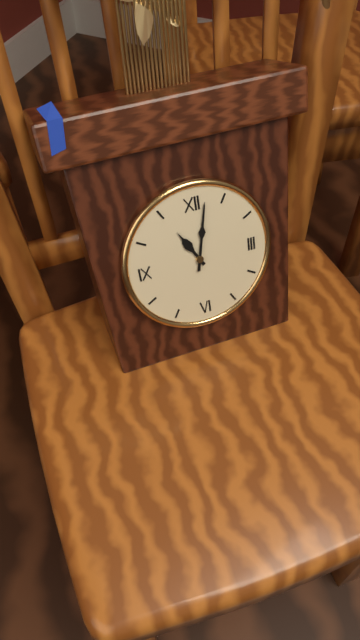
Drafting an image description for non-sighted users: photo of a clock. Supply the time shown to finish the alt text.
11:02
